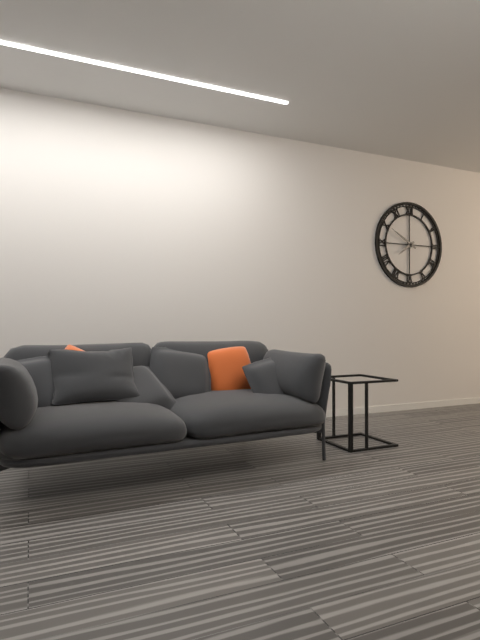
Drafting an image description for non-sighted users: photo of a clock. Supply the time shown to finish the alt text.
7:50
